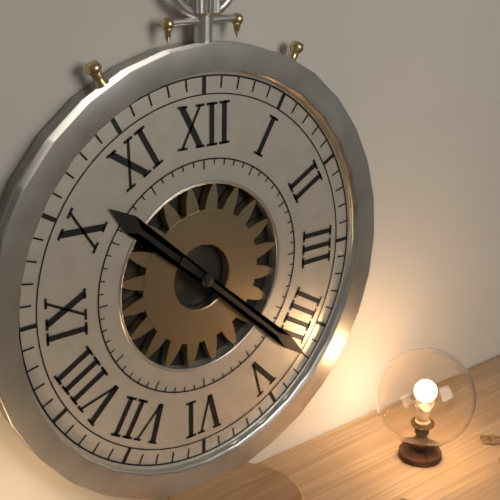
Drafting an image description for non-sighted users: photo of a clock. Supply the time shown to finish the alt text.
10:22
